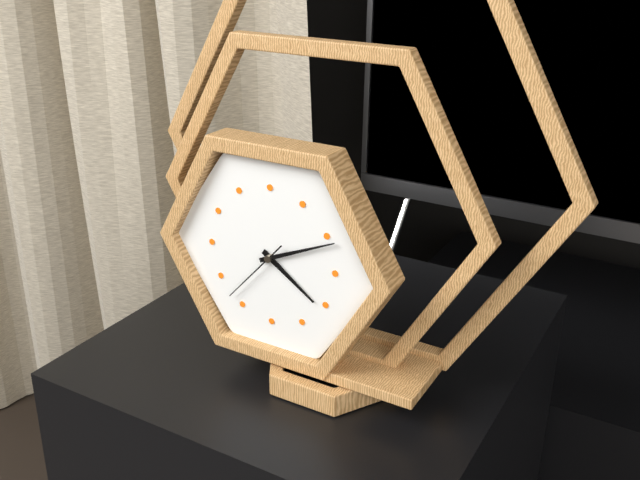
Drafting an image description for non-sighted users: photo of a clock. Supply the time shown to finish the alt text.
4:11:37
